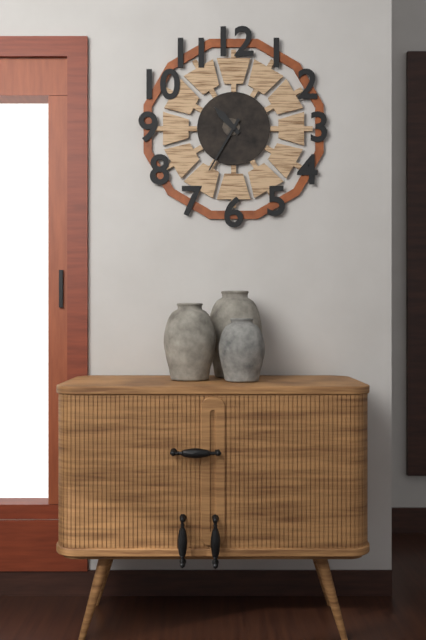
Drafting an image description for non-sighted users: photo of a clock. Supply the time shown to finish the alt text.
10:35
